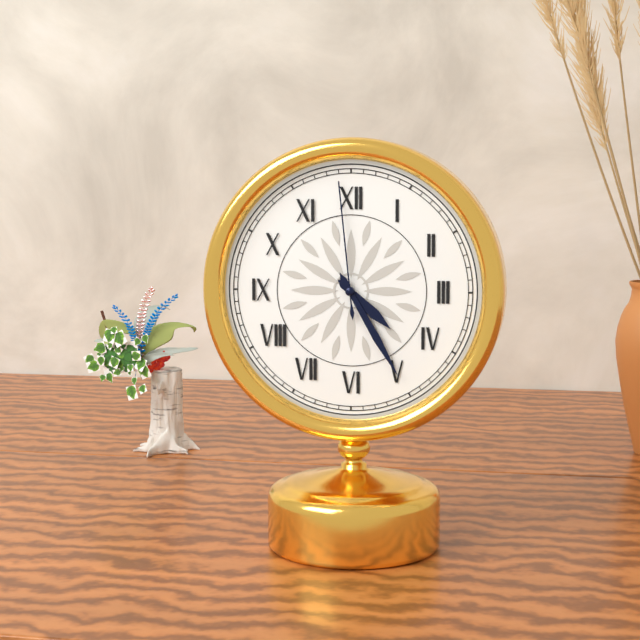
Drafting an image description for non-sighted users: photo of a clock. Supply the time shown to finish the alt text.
4:25:59
